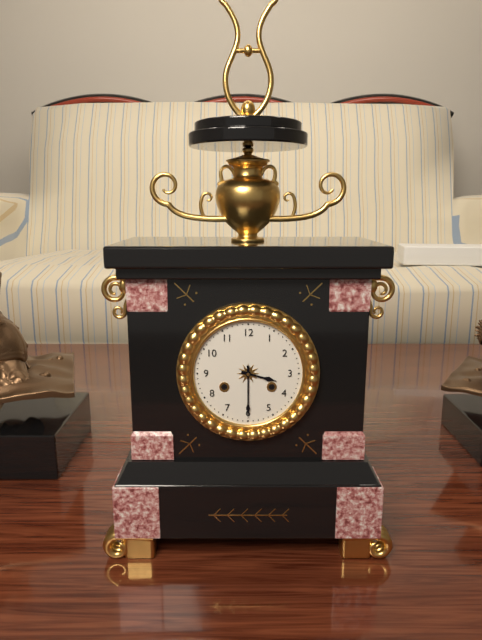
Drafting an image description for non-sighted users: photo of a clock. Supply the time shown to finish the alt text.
3:30
